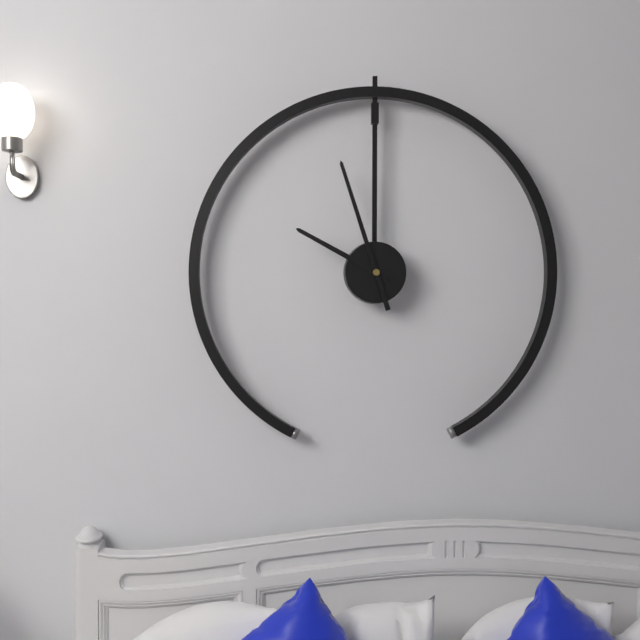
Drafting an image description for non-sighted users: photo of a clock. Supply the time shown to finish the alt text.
9:57
